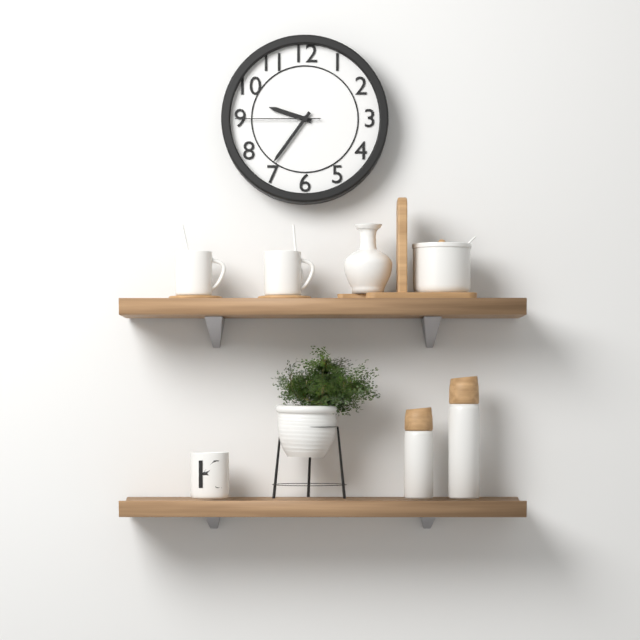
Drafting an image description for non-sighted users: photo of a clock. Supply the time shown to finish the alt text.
9:36:45
